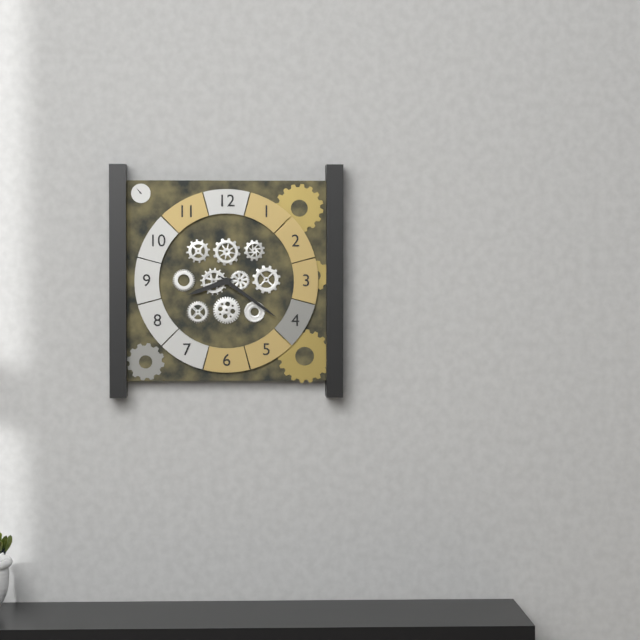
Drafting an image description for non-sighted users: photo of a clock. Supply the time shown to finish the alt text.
8:21
